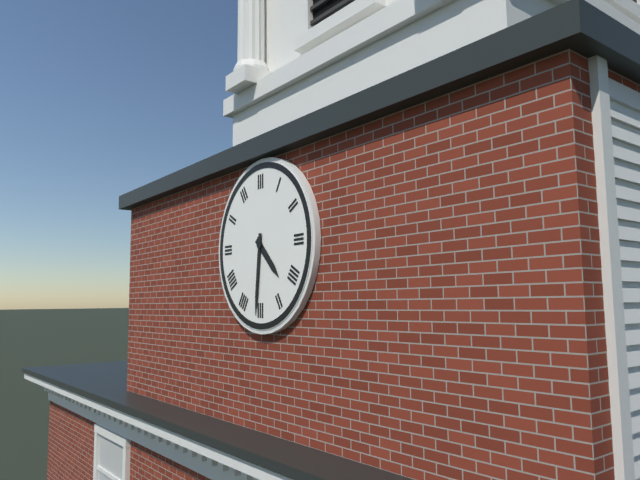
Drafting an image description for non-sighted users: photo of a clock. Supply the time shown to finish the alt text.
4:31
